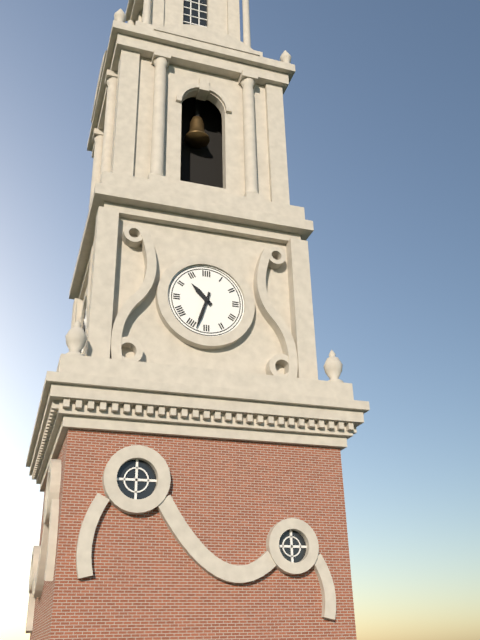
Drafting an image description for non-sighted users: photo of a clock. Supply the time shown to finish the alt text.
10:33
